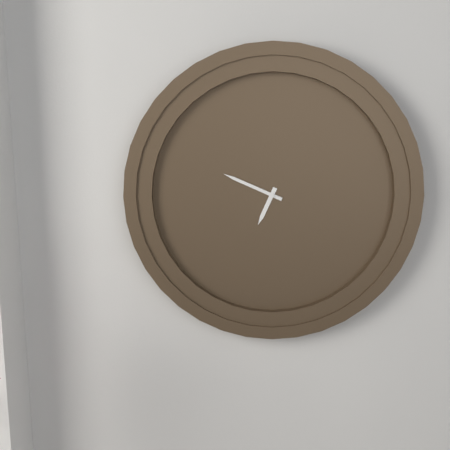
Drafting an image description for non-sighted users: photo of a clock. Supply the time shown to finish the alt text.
6:49
